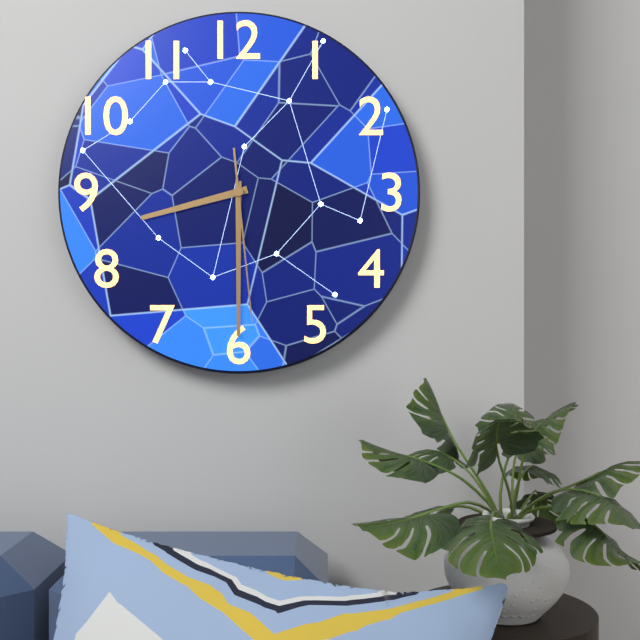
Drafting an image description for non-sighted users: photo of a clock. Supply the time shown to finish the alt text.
8:30:29
